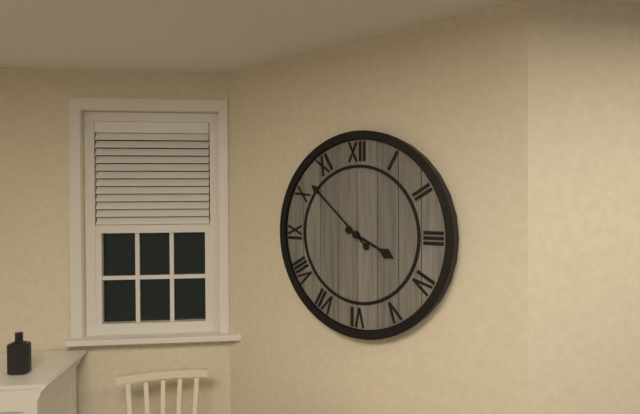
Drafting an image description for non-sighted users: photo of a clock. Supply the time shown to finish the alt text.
3:52
